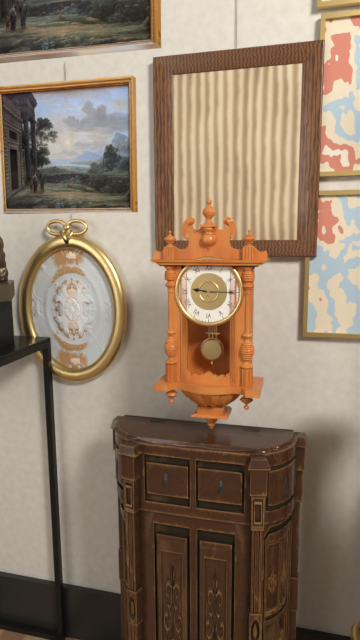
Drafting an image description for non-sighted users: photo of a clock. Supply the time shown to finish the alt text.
9:15
